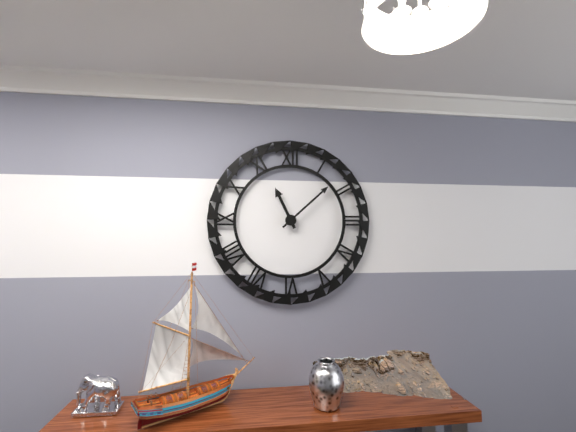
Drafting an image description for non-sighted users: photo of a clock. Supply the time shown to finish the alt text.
11:08
